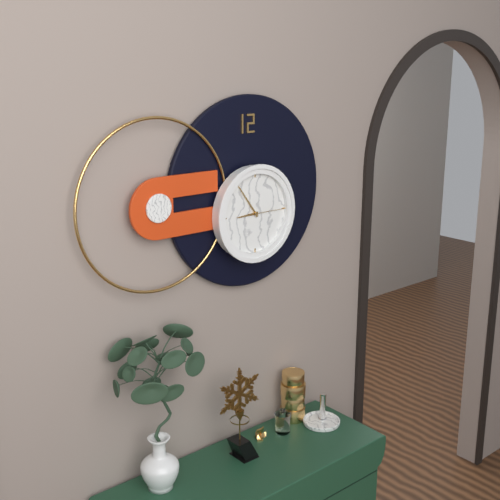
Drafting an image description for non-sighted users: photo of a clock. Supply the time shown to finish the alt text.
8:54
